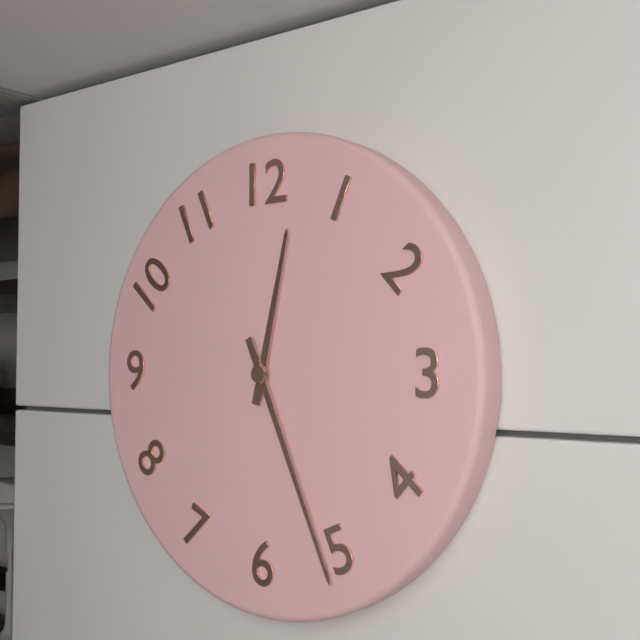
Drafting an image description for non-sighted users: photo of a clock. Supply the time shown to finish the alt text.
12:26
